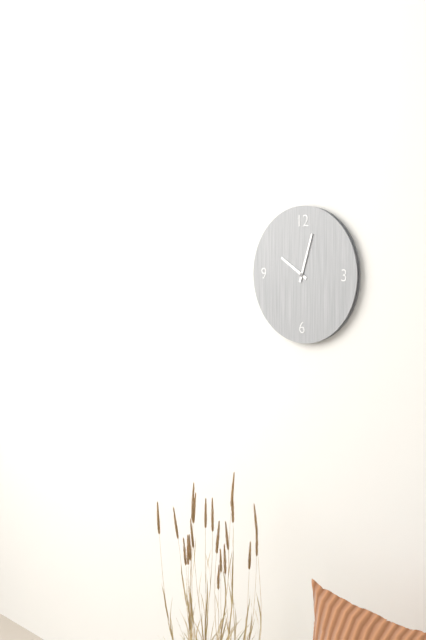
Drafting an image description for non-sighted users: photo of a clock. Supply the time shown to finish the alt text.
10:03
